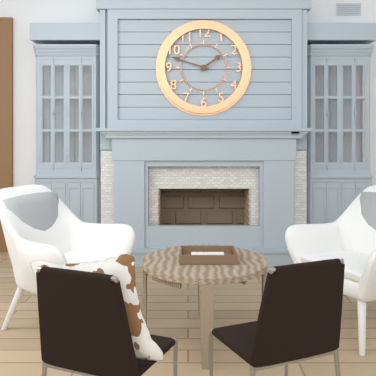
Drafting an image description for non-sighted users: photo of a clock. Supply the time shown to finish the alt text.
1:48
